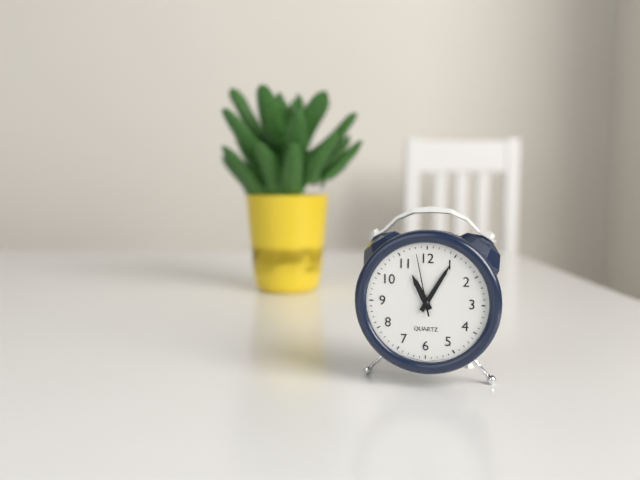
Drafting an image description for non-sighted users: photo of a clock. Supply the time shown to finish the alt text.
11:05:58
